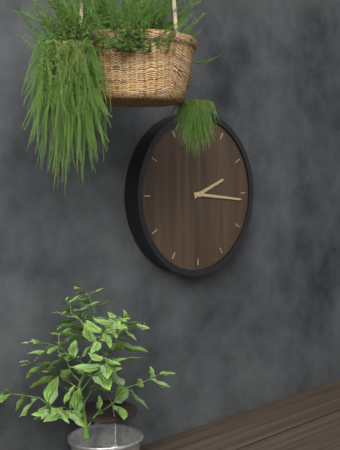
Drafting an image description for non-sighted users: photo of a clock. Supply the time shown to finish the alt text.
2:16
